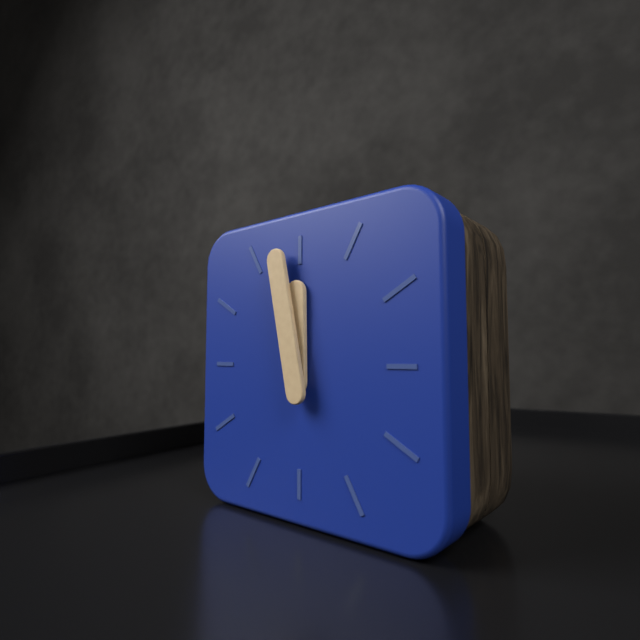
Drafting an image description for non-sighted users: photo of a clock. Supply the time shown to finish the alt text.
11:58
